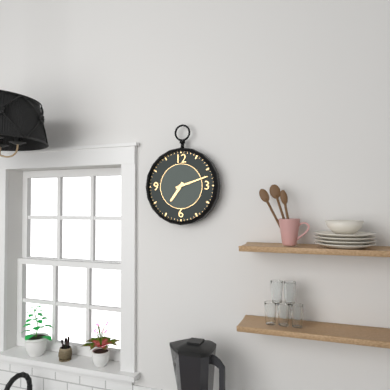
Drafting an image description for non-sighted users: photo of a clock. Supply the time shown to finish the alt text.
7:12
